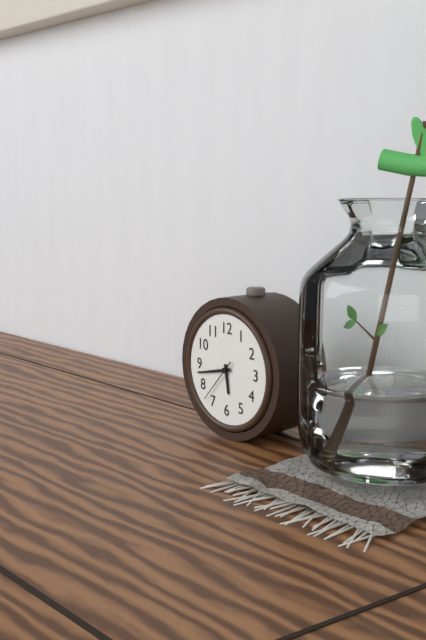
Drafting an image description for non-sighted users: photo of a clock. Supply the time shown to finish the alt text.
5:43
